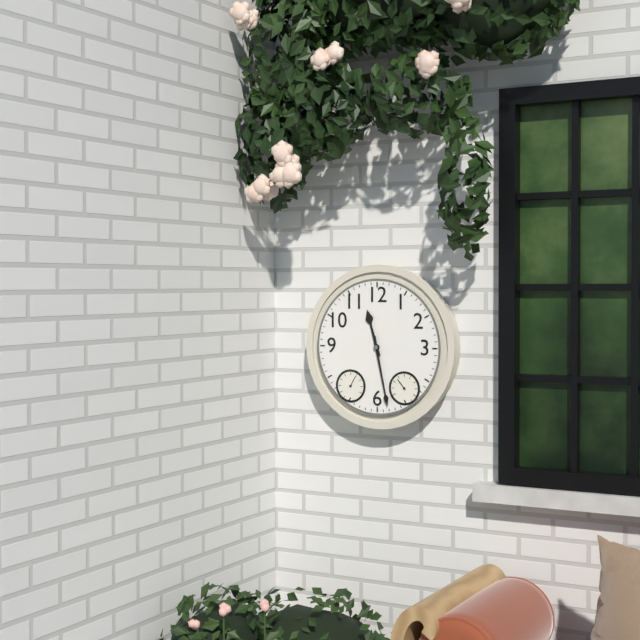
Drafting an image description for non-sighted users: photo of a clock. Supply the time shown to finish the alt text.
11:28
